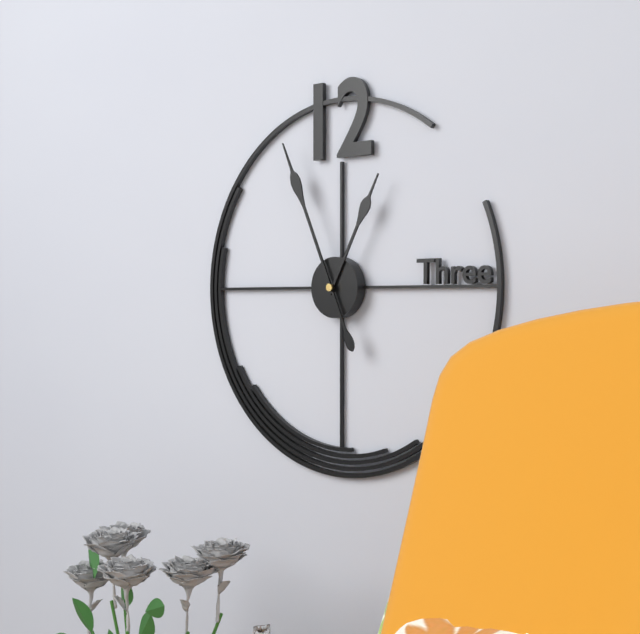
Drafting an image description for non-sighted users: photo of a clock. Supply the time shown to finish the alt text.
12:56
